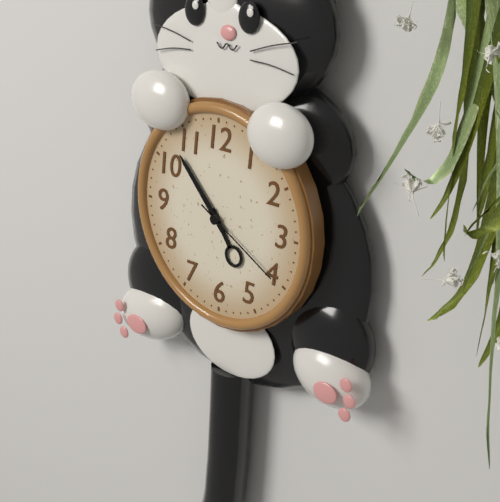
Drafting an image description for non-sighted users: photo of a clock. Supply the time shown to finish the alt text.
4:53:20
